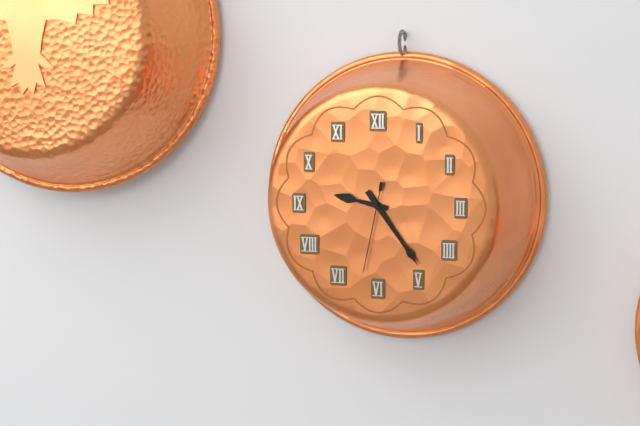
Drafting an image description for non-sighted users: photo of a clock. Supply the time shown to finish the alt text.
9:24:32
